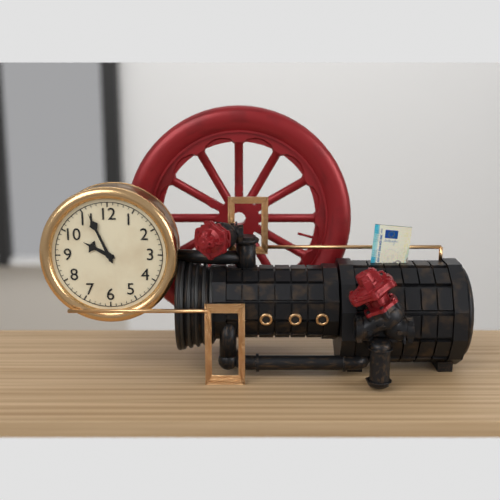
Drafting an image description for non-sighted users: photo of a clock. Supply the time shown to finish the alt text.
9:56
